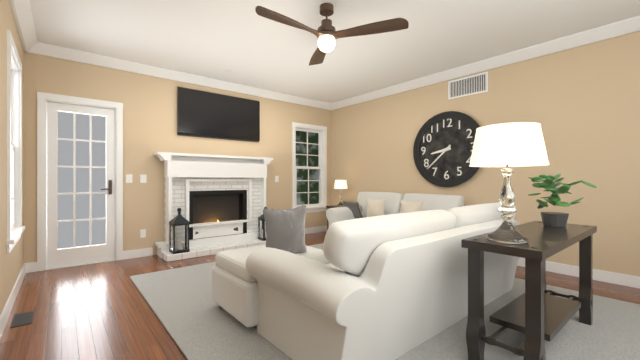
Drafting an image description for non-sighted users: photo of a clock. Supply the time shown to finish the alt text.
8:38
